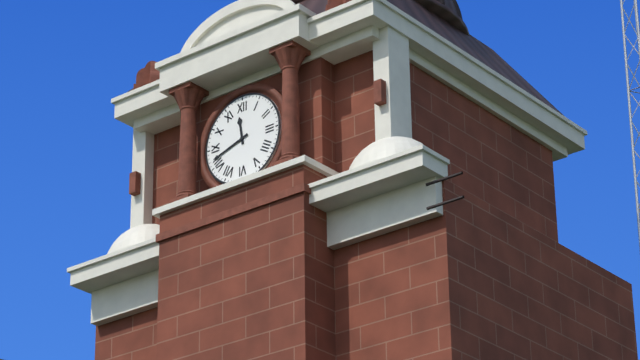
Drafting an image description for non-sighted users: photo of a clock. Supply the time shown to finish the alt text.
11:42
